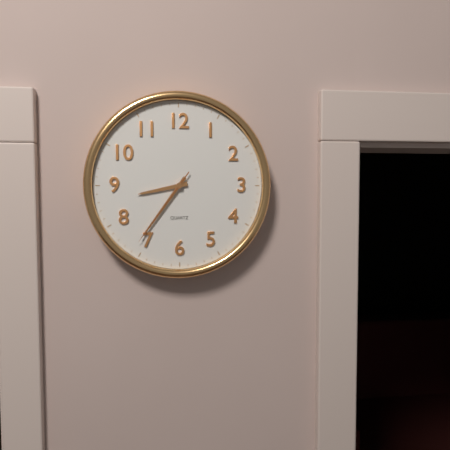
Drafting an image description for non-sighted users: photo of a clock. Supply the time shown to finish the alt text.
8:36:36
